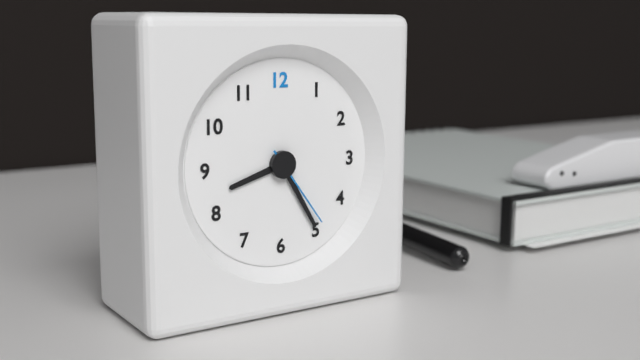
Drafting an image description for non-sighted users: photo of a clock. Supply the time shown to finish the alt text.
8:25:24
